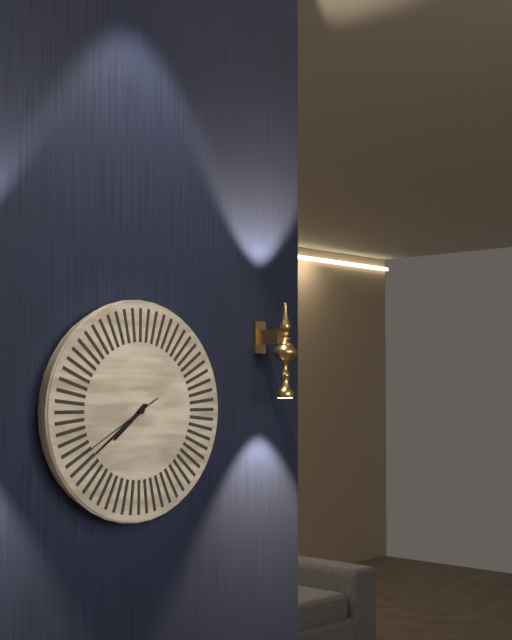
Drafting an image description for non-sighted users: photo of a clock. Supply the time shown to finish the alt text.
7:39:40
